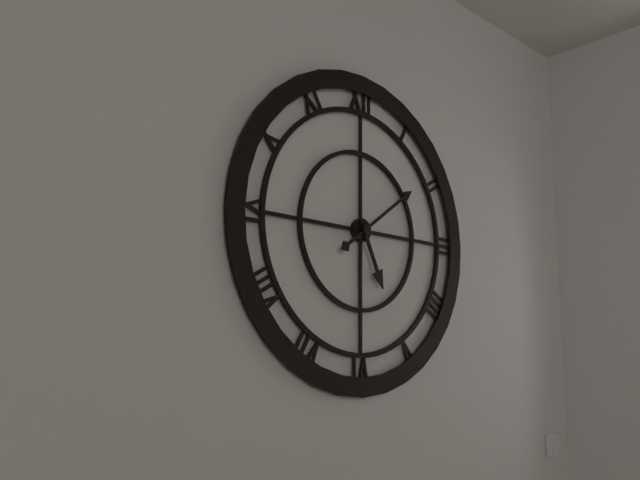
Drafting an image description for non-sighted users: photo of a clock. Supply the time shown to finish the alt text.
5:09
